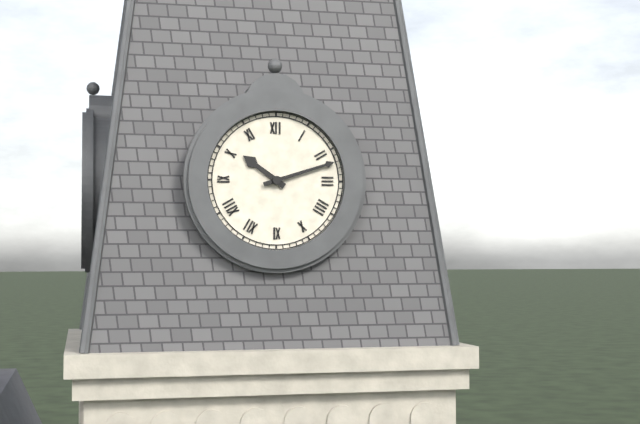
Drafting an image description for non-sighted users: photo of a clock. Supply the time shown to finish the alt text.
10:12
